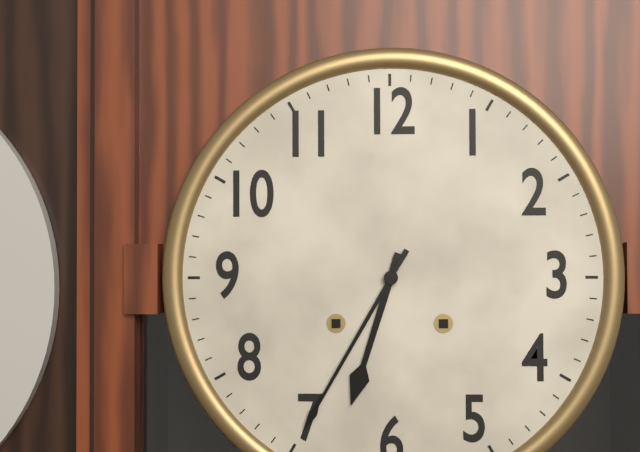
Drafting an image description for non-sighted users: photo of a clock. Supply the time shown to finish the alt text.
6:35
